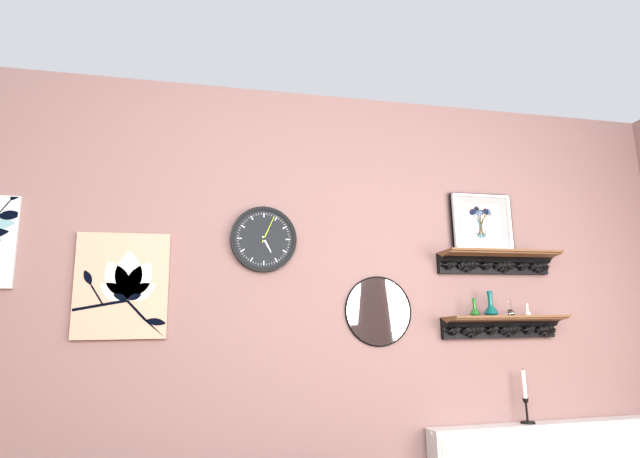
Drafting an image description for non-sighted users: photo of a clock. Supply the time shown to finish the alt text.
5:04
